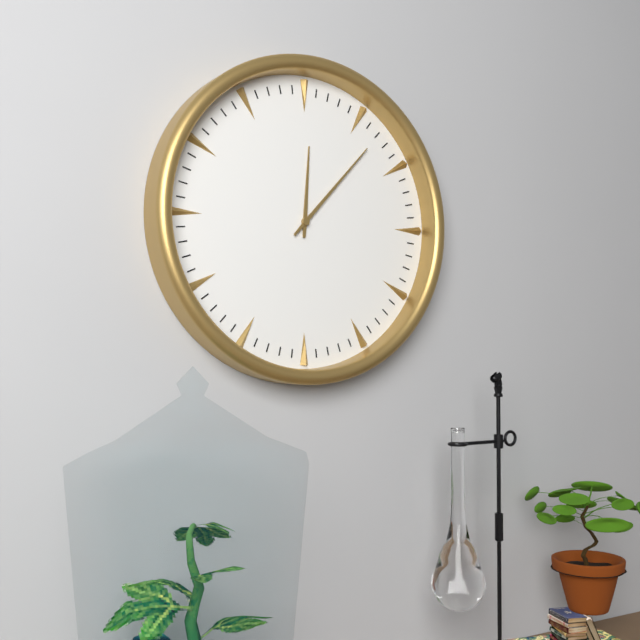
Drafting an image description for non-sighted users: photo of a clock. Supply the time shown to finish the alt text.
12:07
